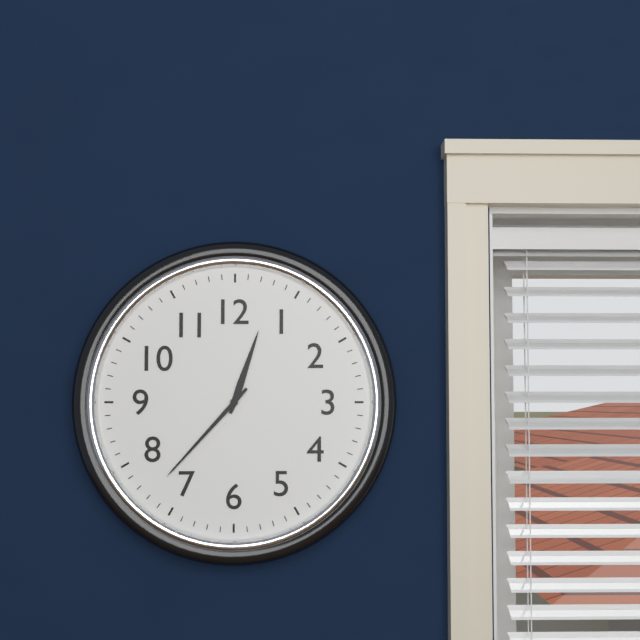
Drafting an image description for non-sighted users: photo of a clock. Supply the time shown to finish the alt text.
12:37
